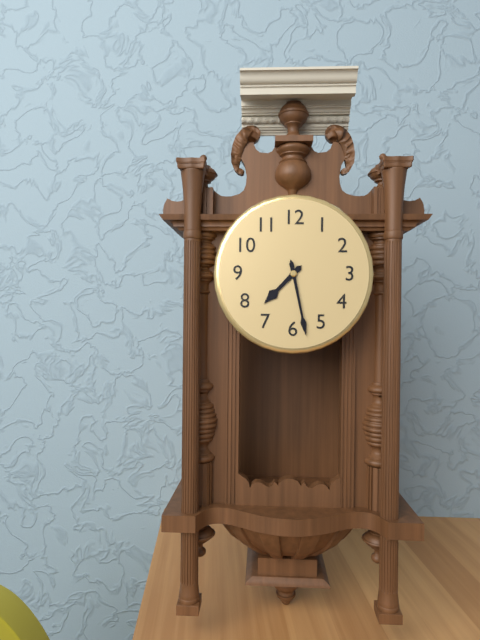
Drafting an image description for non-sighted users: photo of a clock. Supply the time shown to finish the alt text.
7:28
